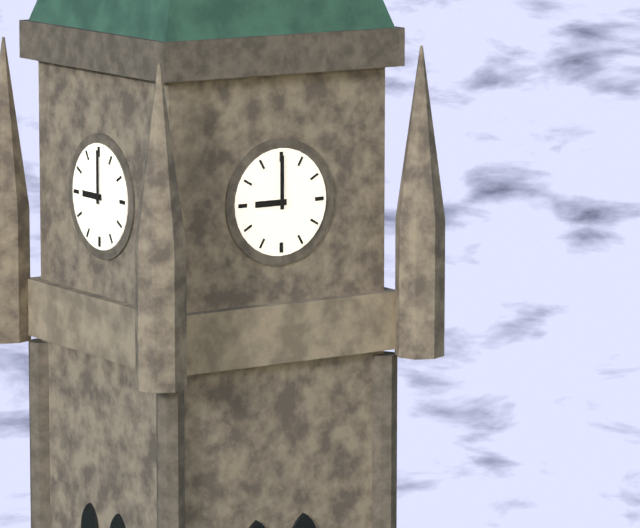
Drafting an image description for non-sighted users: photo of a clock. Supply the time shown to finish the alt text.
9:00
